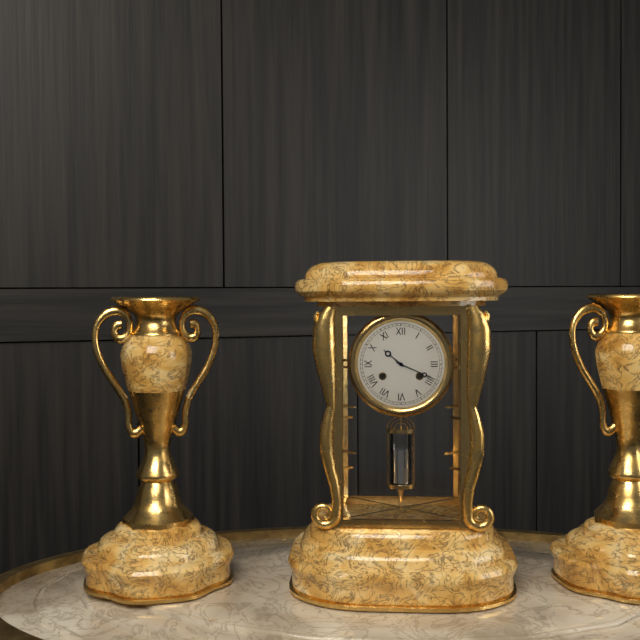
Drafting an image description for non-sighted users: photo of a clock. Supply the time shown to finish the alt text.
10:19
